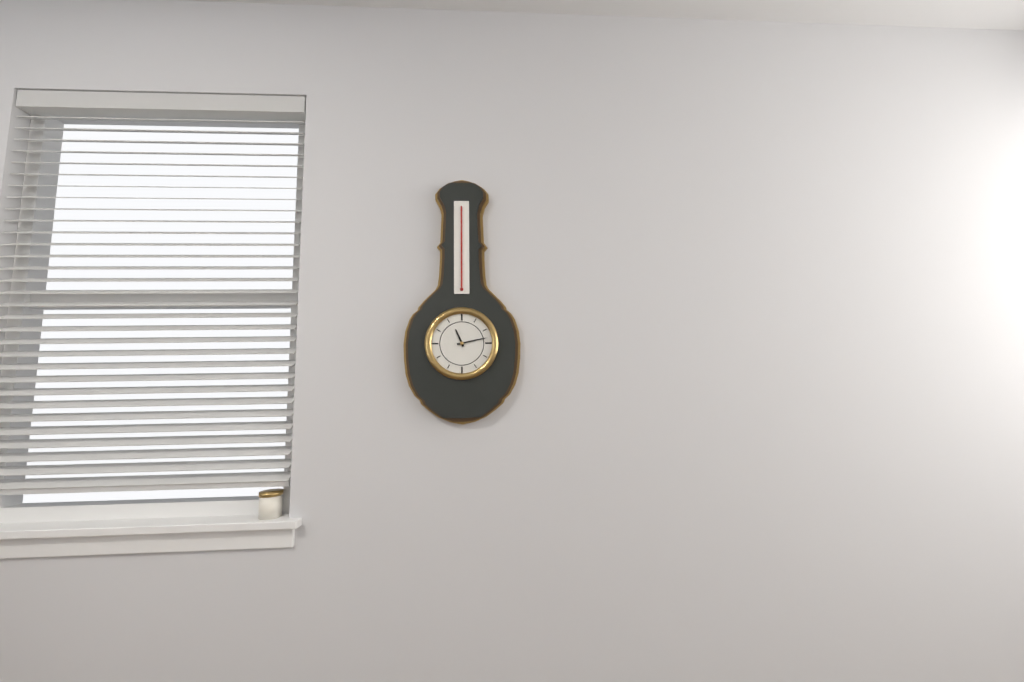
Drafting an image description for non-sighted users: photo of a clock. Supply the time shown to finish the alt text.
11:13
